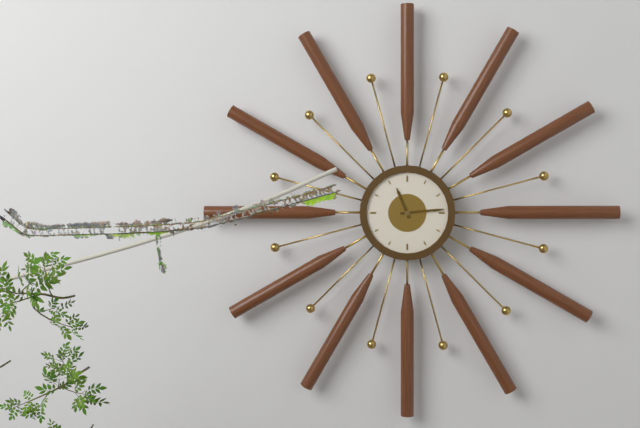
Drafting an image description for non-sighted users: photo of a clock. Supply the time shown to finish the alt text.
11:14
